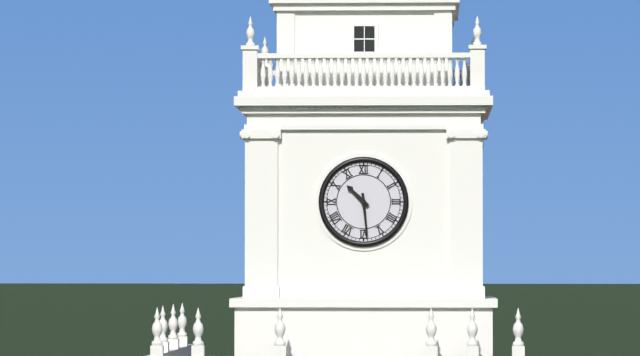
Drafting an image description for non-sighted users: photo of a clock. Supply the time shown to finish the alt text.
10:29
